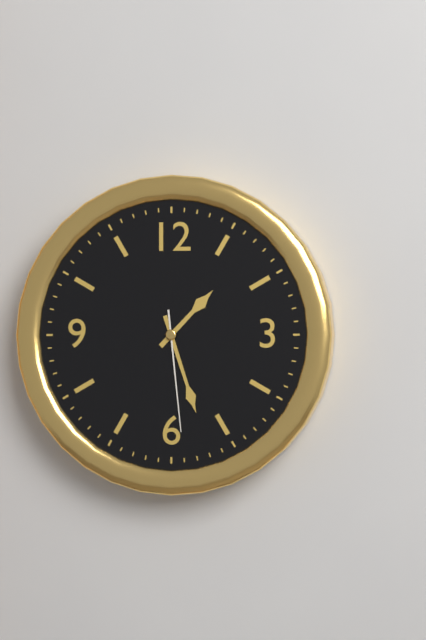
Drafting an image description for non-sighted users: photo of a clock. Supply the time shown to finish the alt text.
1:27:29
